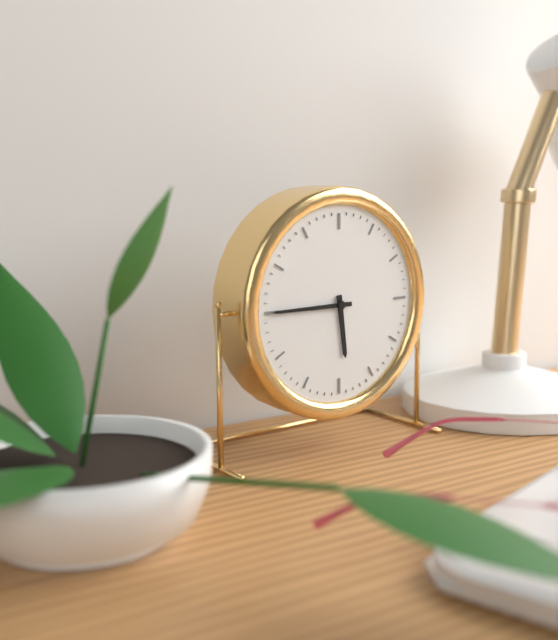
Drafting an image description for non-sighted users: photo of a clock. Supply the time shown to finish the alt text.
5:45
